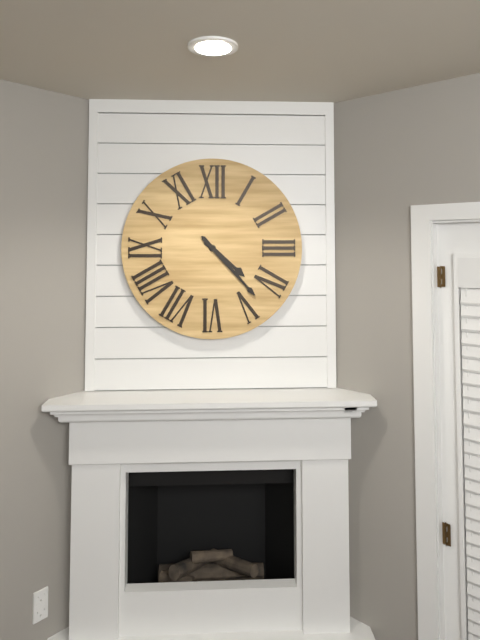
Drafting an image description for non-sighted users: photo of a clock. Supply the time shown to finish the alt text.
4:23
